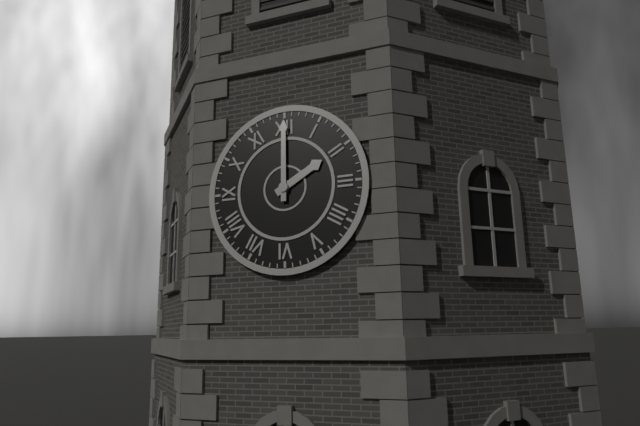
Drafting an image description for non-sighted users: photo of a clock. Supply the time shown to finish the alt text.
2:00
